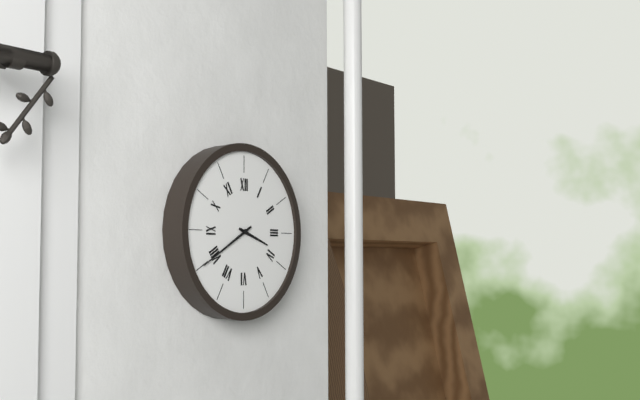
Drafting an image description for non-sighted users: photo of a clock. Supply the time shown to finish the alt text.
3:40
